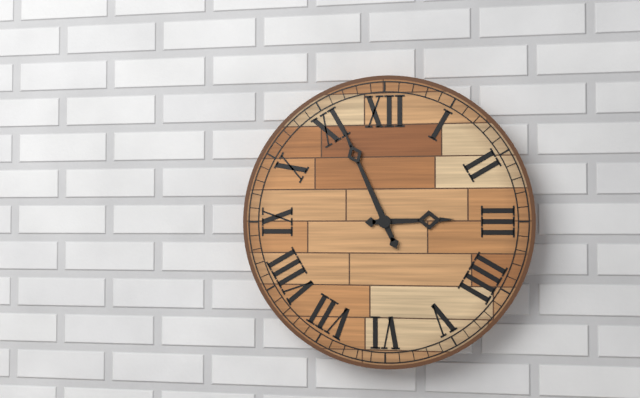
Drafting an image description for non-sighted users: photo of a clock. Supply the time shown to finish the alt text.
2:56
